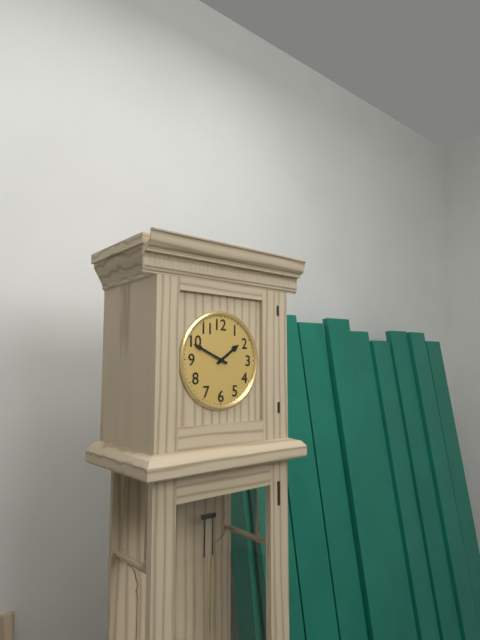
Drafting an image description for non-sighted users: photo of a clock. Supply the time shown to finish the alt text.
1:49
